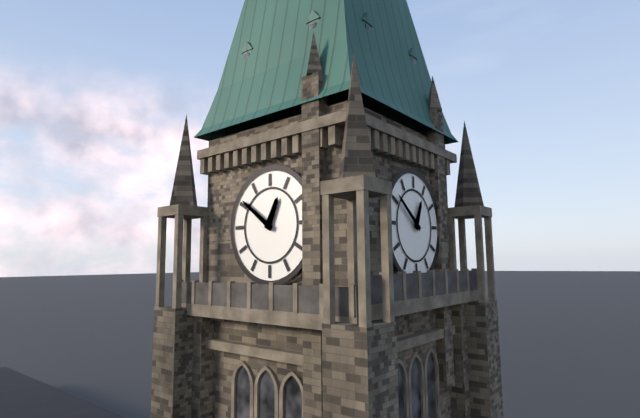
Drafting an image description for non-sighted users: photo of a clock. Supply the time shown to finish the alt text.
12:51
